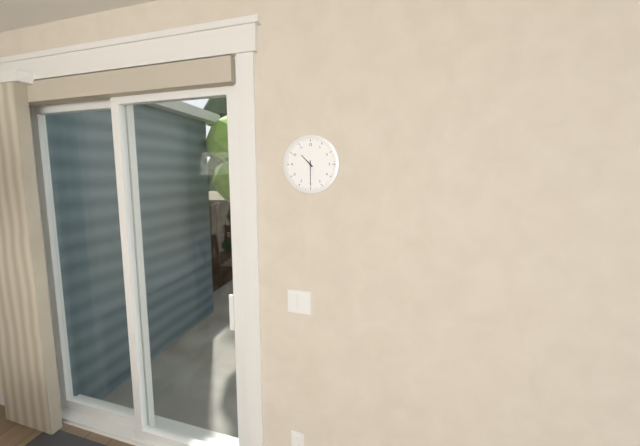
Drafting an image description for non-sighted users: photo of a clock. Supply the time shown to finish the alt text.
10:30
